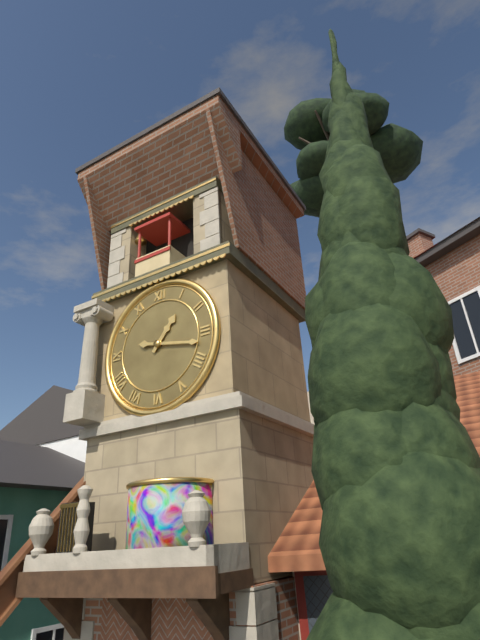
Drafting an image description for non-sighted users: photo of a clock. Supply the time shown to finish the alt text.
1:17
